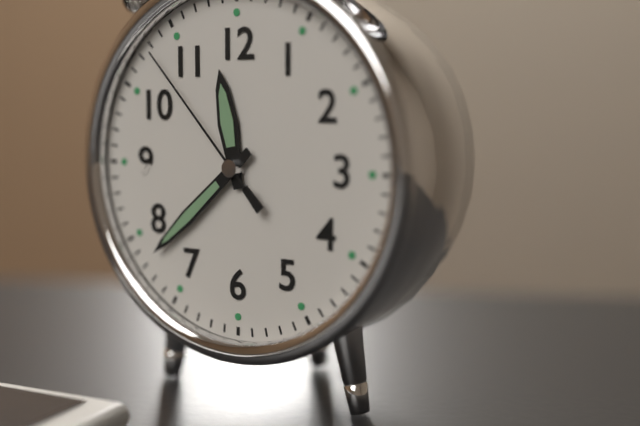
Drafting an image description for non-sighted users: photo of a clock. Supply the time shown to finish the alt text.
11:38:53
